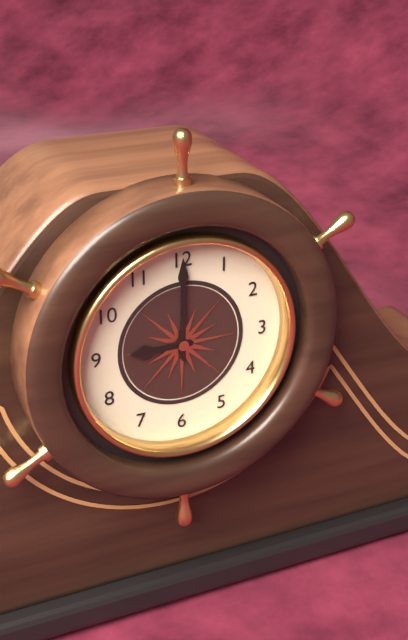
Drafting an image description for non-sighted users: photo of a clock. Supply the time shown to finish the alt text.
9:00
